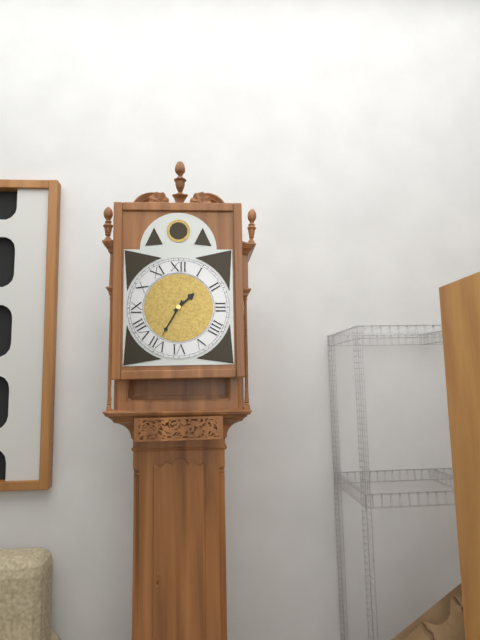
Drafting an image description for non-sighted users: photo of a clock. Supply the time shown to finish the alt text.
1:35
